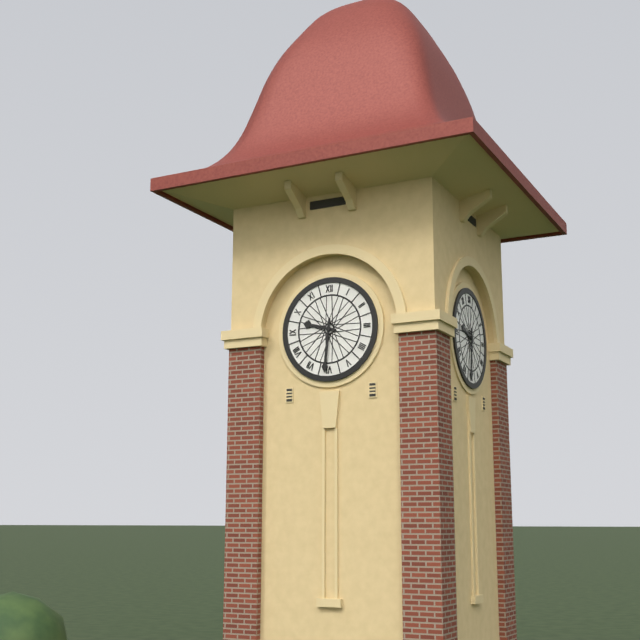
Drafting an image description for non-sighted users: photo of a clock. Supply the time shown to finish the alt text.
9:31
